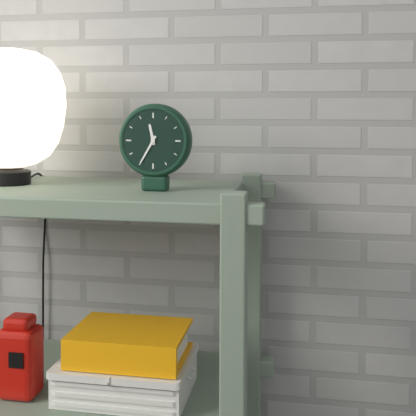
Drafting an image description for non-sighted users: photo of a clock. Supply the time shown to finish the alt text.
11:35
